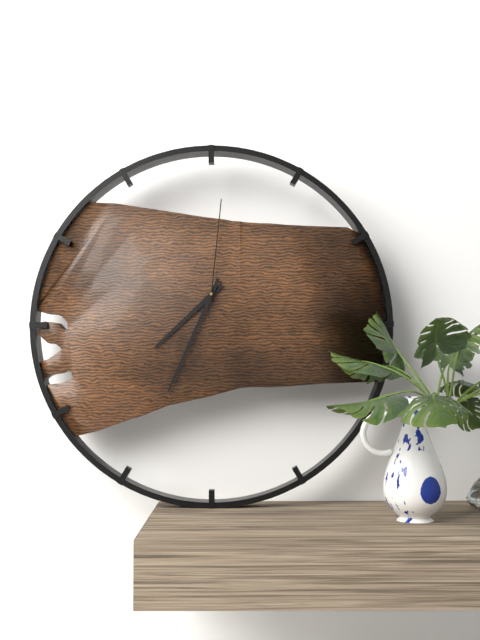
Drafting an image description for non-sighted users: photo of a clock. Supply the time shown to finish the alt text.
7:34:01
